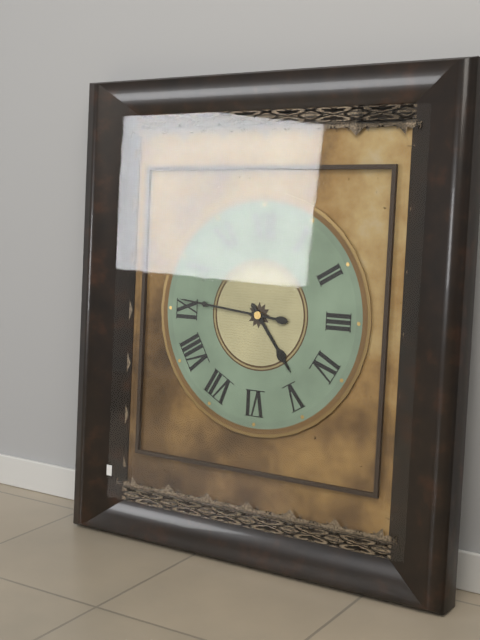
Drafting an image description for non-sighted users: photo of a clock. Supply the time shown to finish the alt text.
4:46
